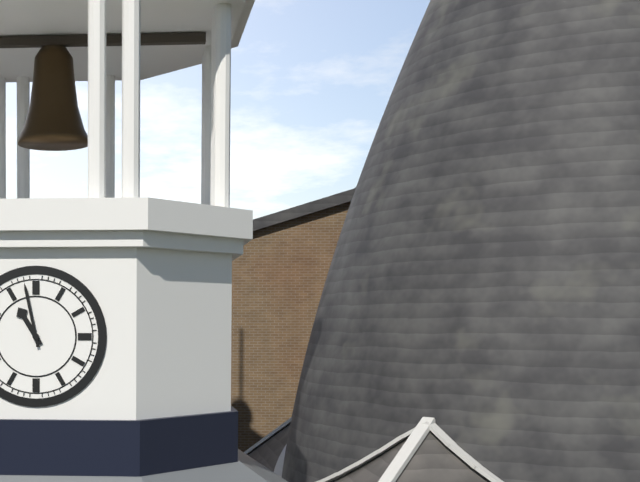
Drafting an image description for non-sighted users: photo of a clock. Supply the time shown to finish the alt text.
10:58
